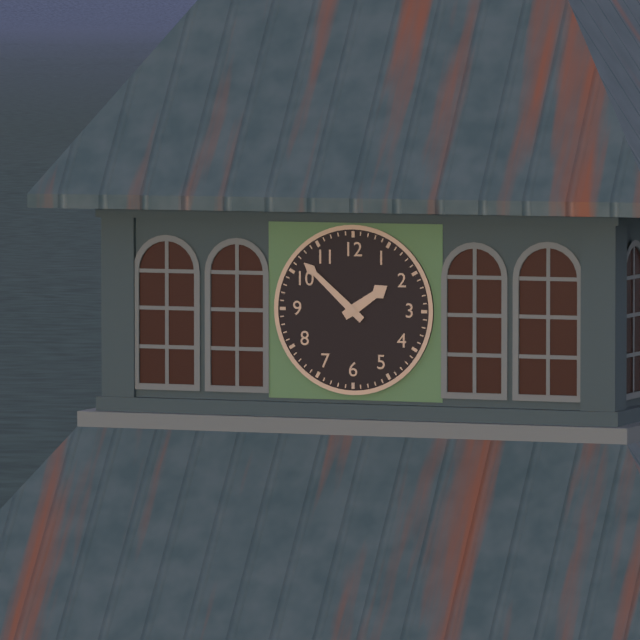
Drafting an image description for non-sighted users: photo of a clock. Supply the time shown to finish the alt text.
1:52
